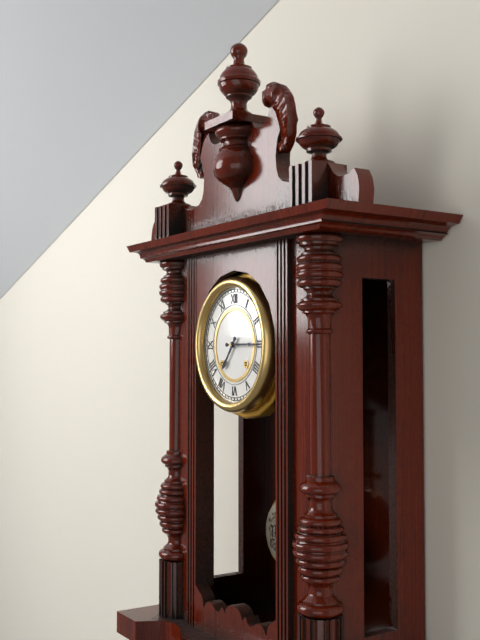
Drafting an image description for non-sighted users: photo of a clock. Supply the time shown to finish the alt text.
7:15
